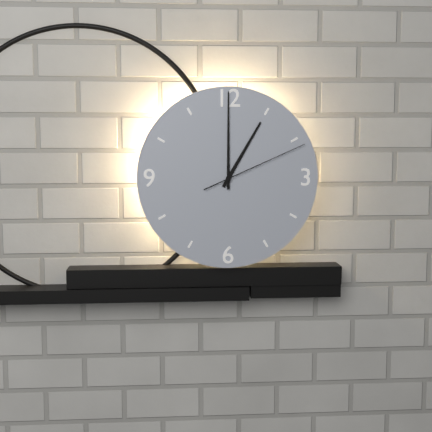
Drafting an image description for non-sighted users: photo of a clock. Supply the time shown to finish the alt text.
1:00:11
